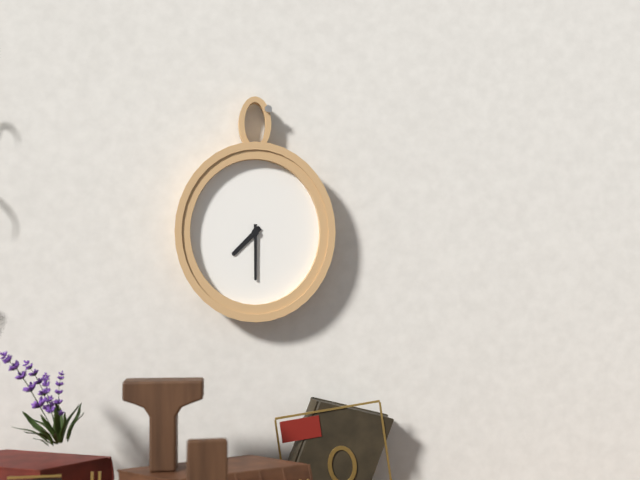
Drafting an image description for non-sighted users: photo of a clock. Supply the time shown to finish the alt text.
7:30
